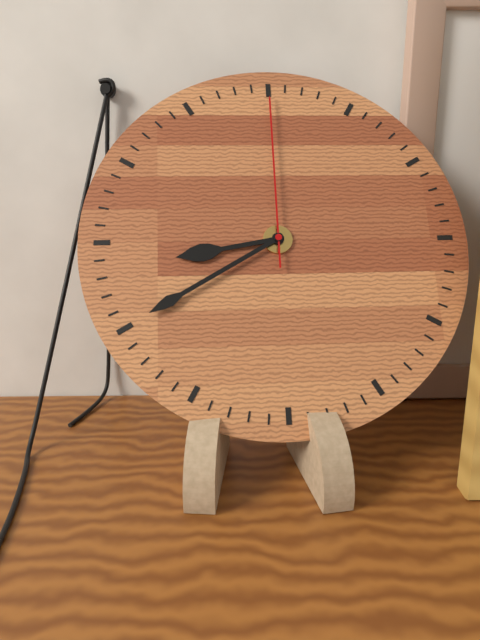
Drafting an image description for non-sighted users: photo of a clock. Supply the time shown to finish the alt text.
8:40:00
